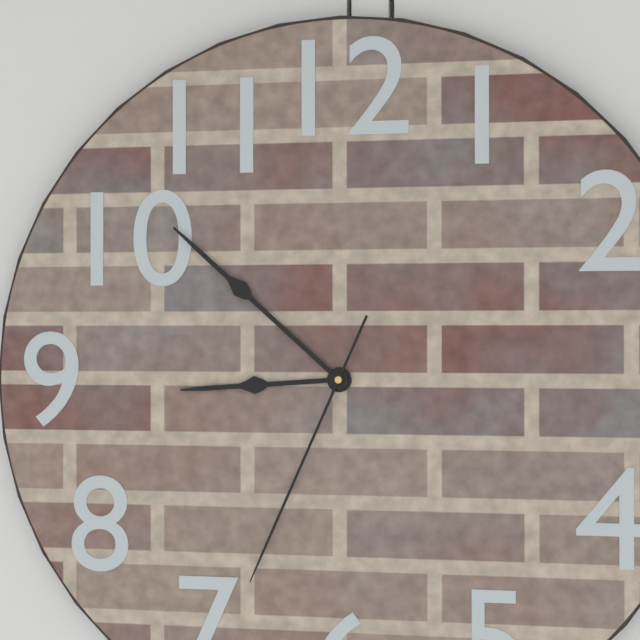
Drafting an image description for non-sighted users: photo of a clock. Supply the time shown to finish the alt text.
8:52:34
